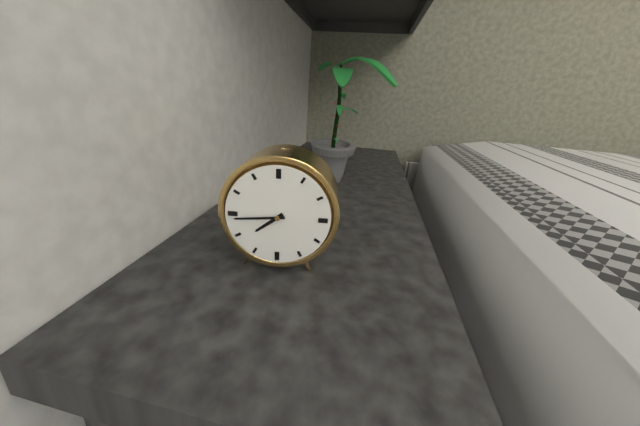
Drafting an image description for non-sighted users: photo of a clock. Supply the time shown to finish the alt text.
7:44
